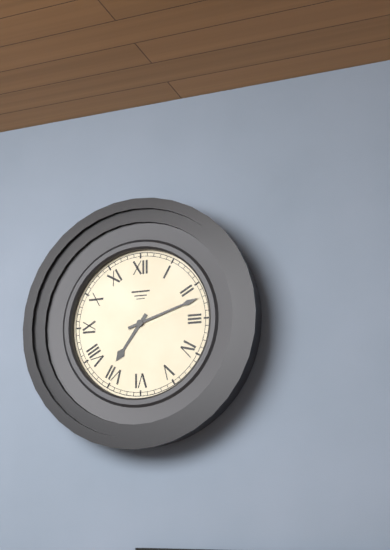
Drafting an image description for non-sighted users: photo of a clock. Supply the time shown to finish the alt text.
7:12
